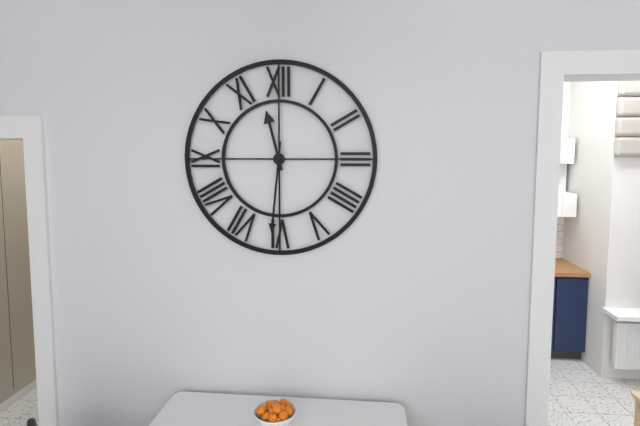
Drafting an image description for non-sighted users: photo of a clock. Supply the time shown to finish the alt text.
11:31
